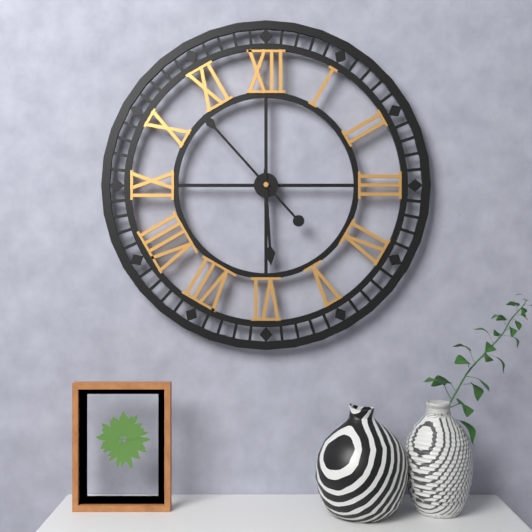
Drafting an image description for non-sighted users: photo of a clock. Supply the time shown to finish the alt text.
5:53
